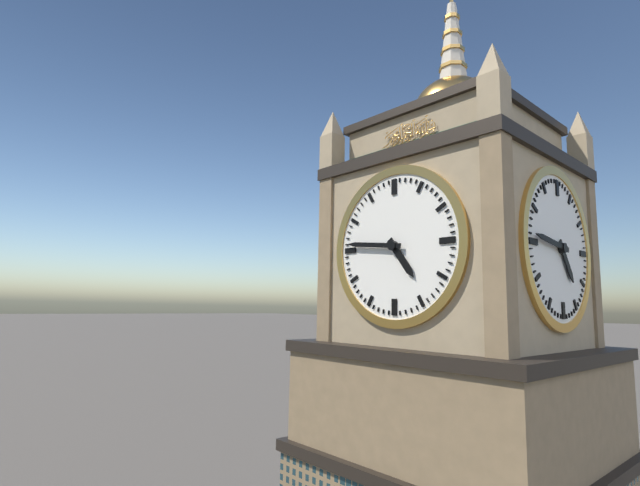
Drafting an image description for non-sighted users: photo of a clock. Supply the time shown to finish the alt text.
4:46
